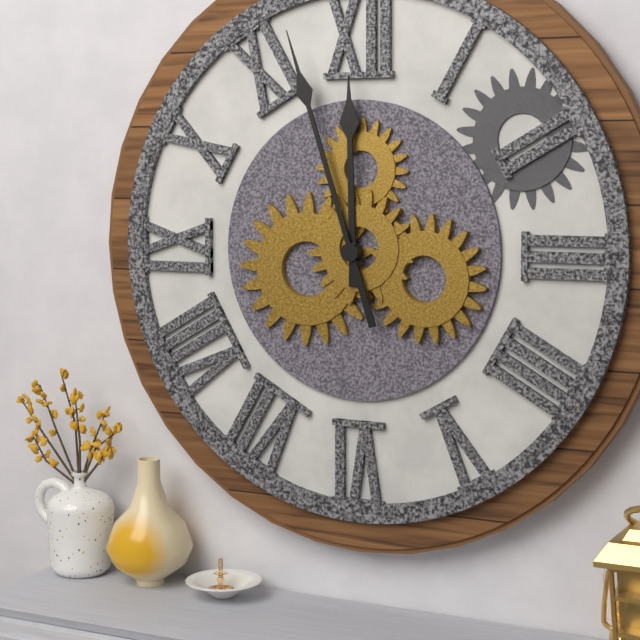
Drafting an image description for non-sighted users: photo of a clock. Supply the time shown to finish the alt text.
11:57
